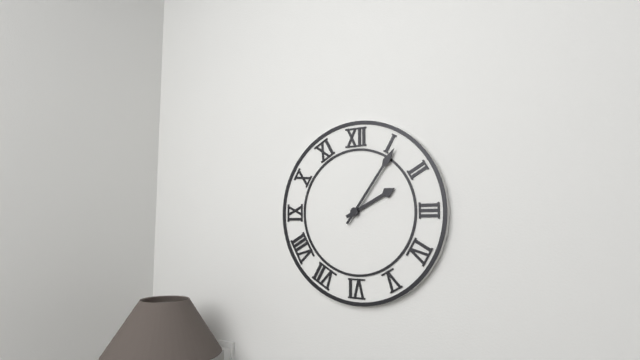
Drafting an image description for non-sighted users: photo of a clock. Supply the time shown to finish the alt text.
2:06
